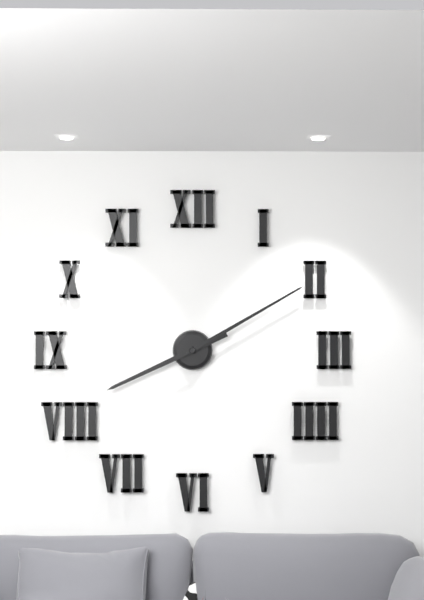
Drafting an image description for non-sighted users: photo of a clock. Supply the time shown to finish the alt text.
8:10
